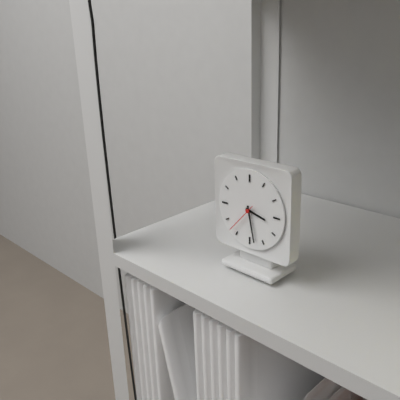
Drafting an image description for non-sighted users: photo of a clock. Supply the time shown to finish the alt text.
3:28
